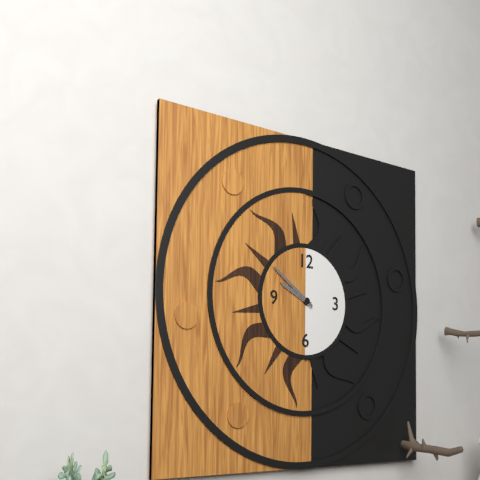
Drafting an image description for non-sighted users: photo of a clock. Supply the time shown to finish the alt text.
9:51
